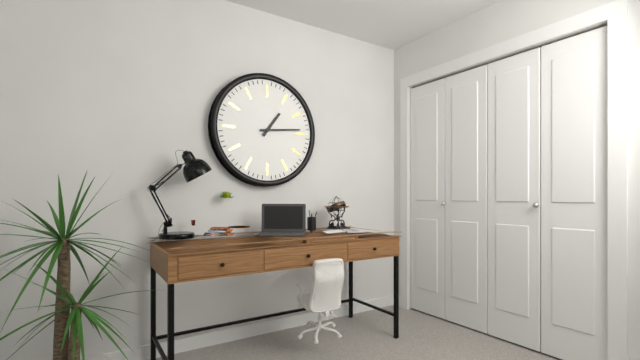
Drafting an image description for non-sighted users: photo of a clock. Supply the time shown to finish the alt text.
1:14
